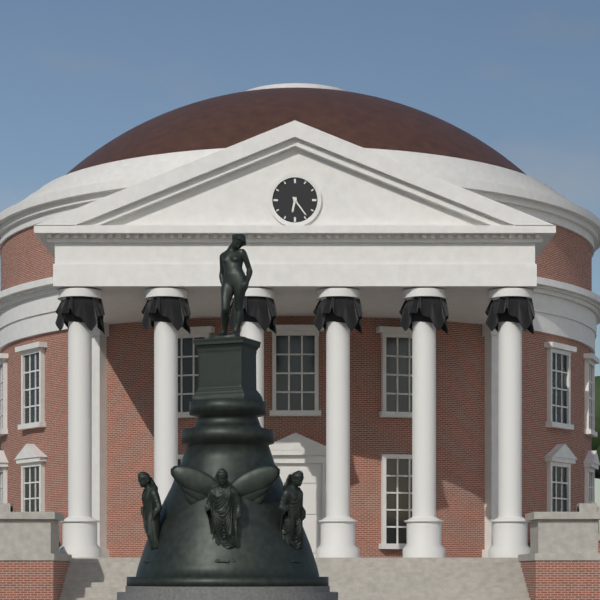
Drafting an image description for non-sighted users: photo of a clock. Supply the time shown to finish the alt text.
6:24
